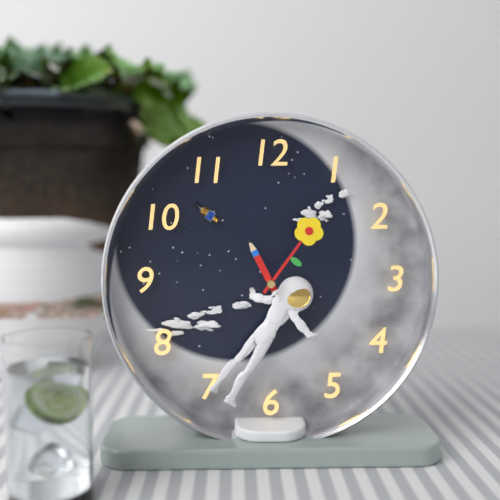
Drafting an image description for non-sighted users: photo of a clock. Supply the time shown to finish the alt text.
11:06
